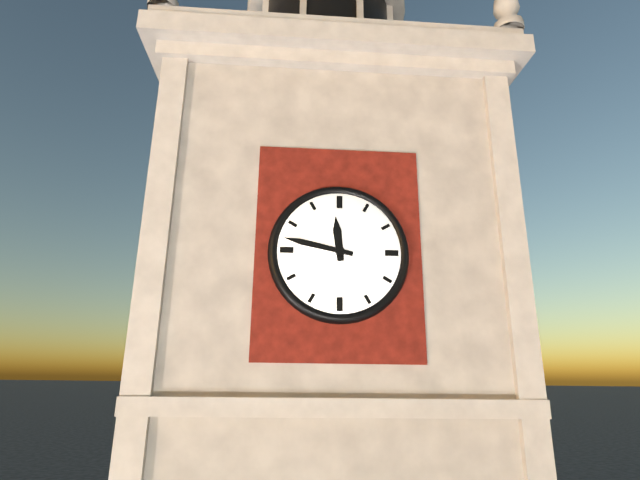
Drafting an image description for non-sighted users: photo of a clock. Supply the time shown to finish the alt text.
11:47
